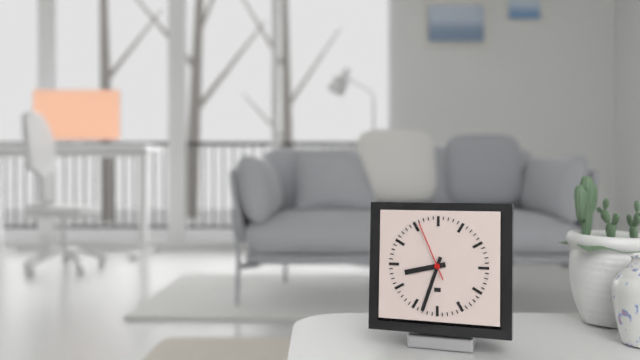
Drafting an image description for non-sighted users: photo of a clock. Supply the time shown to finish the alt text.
8:33:56
